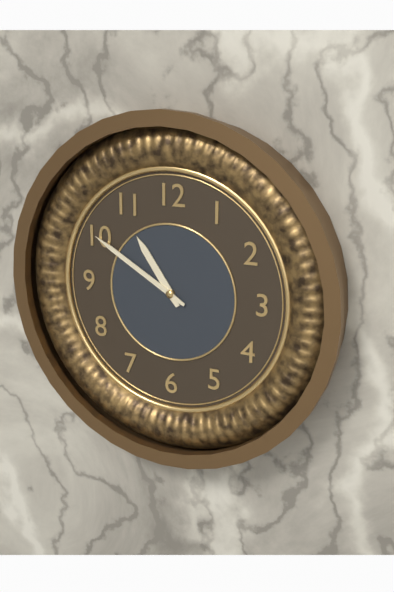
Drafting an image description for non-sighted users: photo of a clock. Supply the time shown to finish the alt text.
10:50
